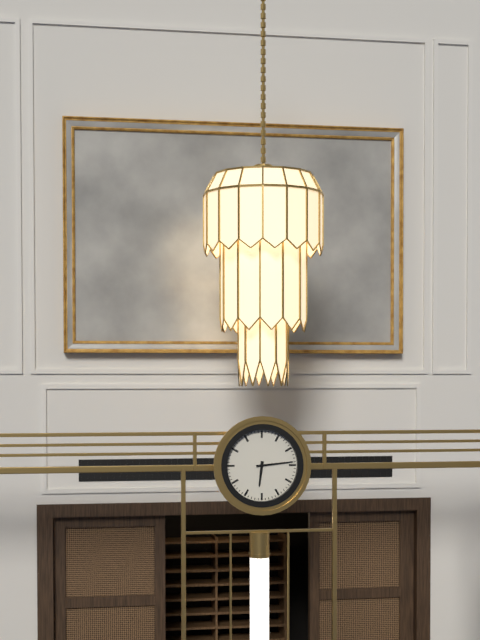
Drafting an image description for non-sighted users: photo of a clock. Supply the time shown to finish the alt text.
6:14
